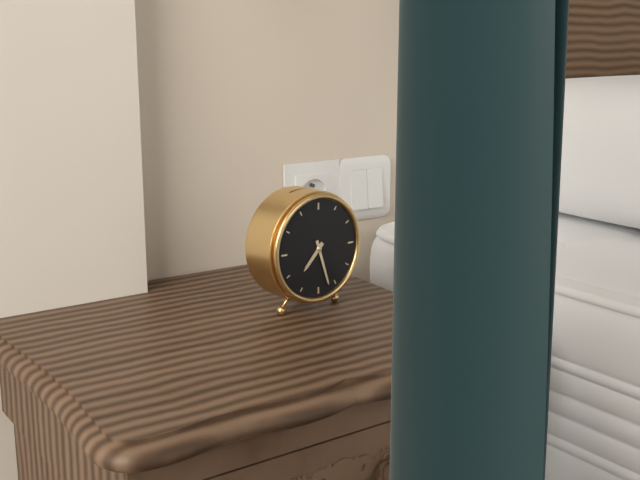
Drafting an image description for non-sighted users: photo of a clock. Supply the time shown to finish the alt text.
7:27
